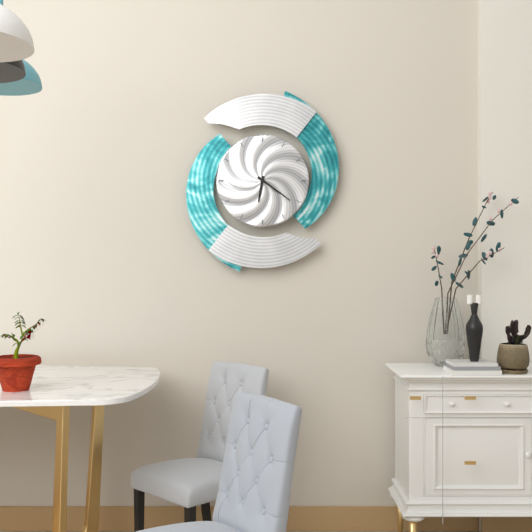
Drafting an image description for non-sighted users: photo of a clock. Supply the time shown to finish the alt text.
6:21
